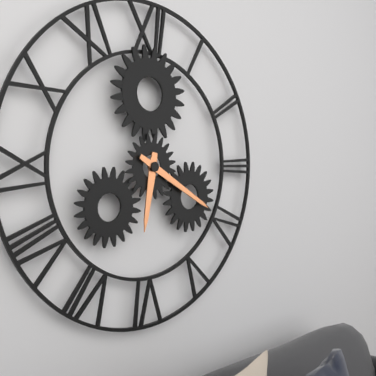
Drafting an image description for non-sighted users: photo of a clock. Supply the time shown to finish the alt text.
6:20
